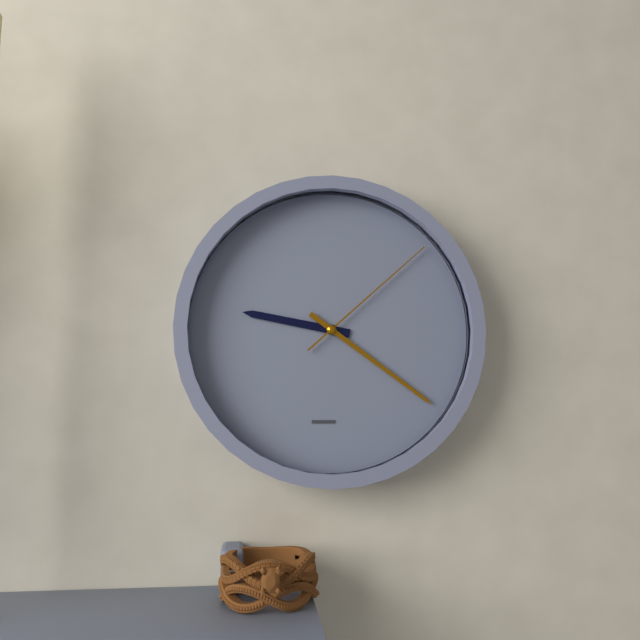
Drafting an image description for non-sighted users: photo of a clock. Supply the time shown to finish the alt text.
9:21:08
